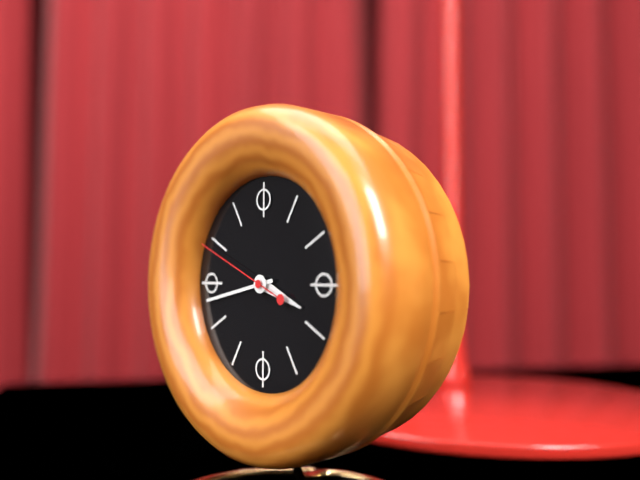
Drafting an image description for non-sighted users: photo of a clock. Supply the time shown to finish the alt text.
3:43:49
